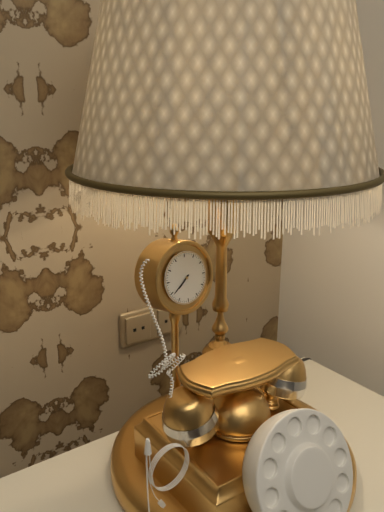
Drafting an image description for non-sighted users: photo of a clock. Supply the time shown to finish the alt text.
7:39
